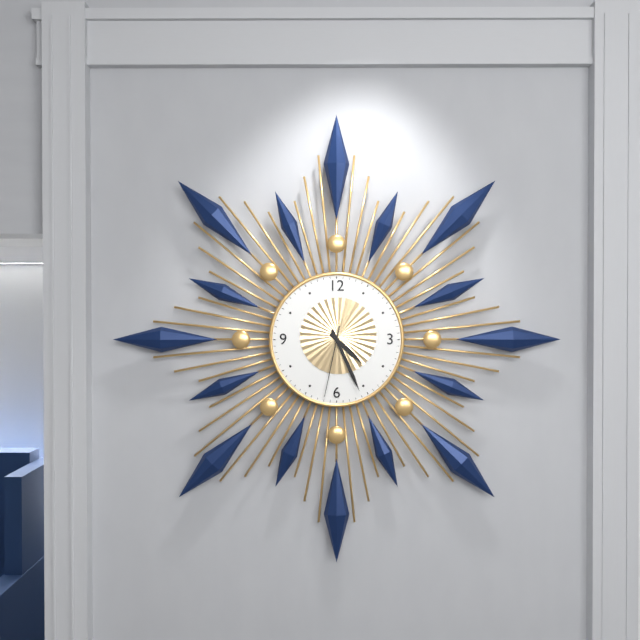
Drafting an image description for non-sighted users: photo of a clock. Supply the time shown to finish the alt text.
4:26:32
